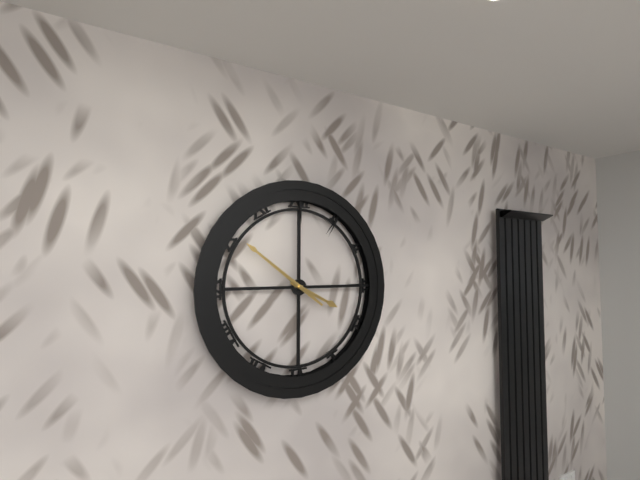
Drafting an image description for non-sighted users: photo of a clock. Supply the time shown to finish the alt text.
3:51
